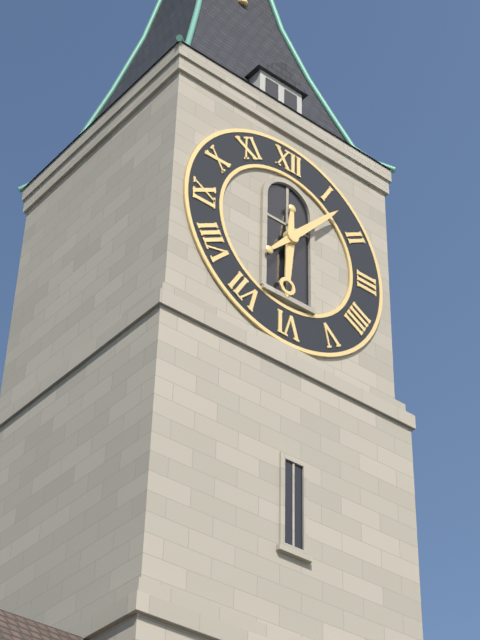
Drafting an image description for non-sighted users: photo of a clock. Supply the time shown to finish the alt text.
6:07
